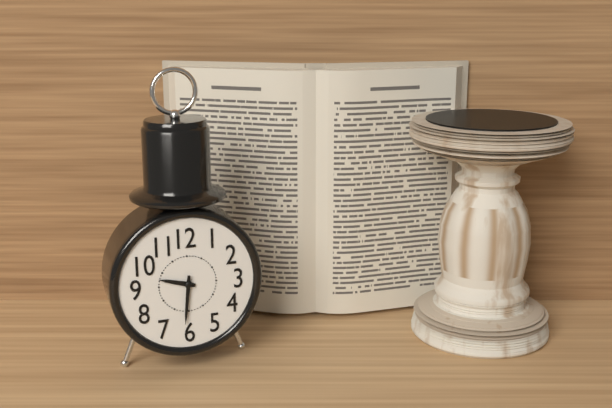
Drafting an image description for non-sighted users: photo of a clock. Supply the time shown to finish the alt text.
9:31
